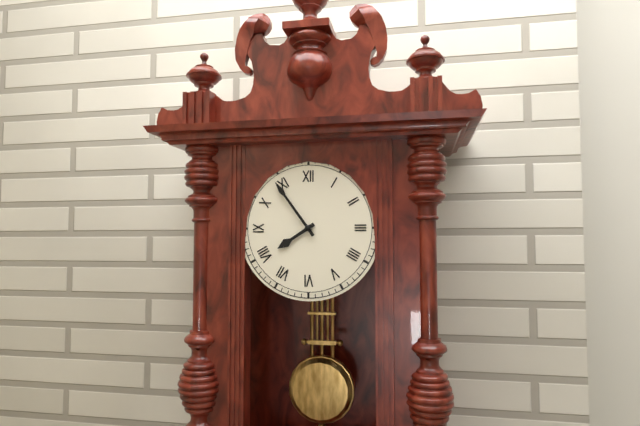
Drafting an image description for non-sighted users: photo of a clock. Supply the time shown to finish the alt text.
7:54
